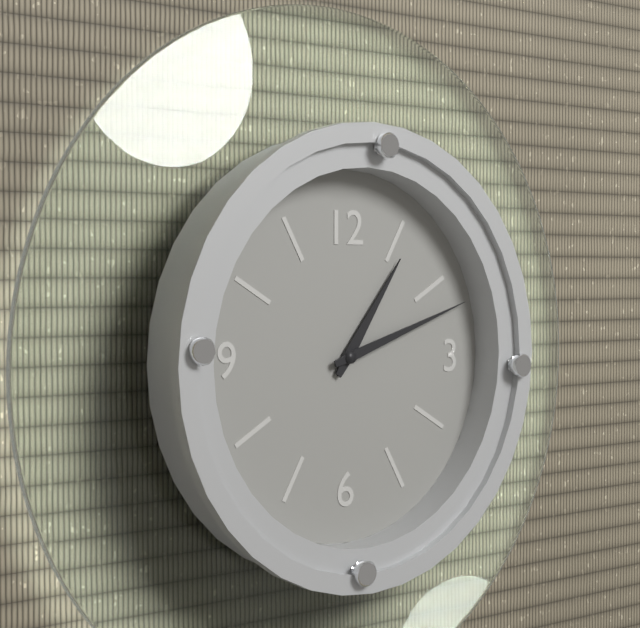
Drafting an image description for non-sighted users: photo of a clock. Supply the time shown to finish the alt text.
1:12
